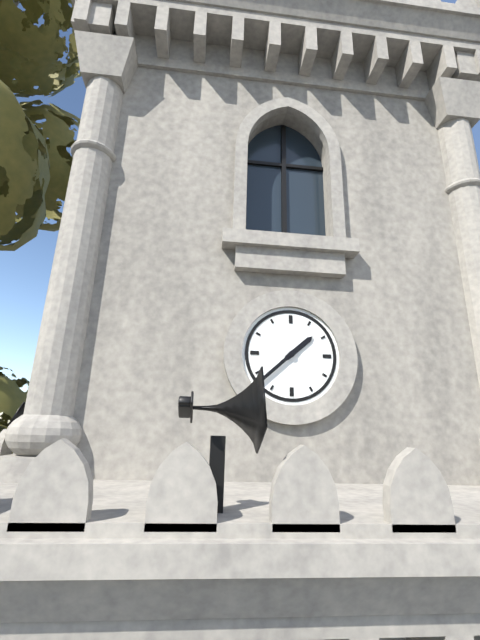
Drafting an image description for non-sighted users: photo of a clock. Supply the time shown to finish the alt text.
1:38
